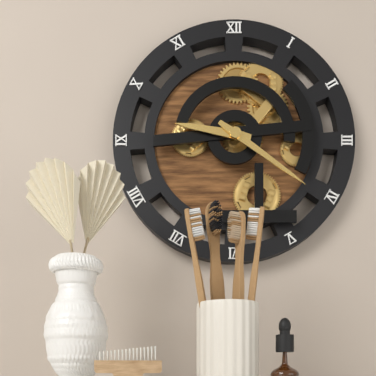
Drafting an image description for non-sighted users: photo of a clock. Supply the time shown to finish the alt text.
9:21
